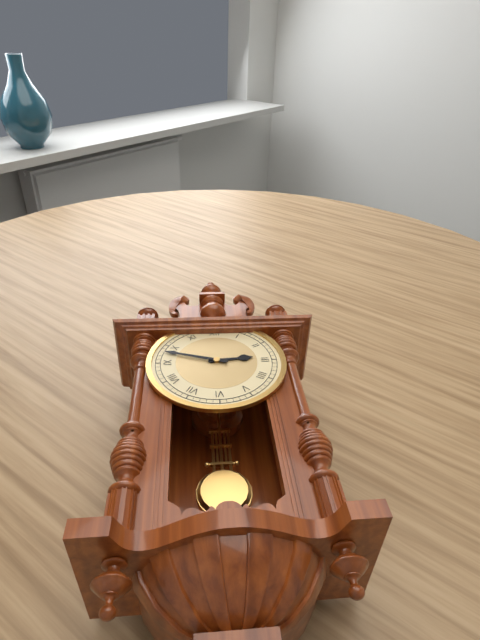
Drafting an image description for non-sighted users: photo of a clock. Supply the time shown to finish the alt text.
2:48
